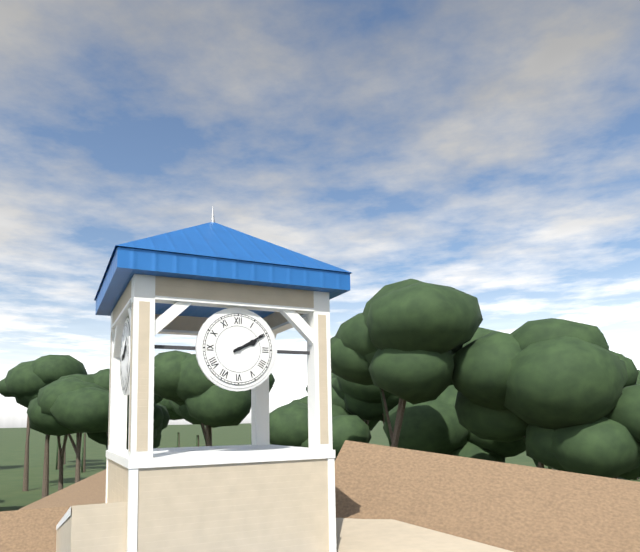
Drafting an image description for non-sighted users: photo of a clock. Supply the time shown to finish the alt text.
2:10
